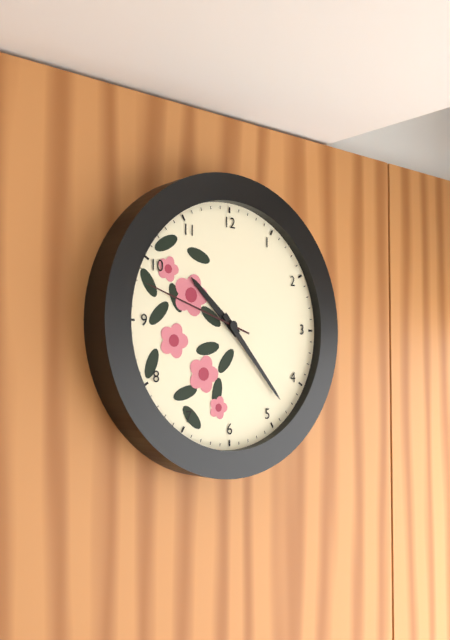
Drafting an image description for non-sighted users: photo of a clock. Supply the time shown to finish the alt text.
10:23:48
